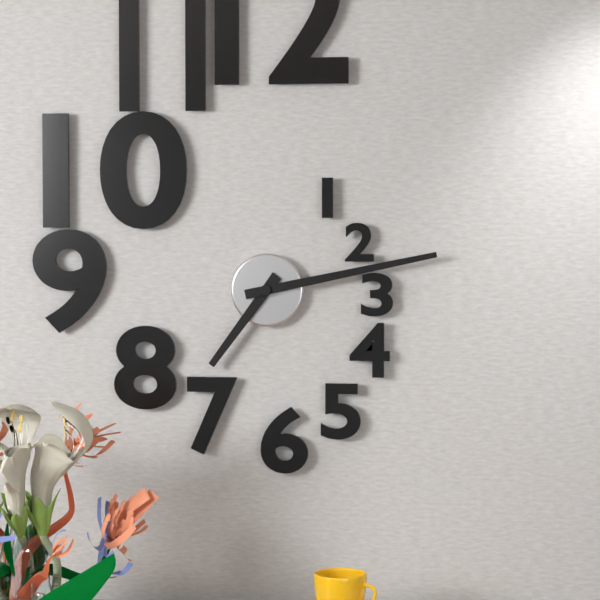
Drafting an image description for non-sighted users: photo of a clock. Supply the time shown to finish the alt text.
7:13
